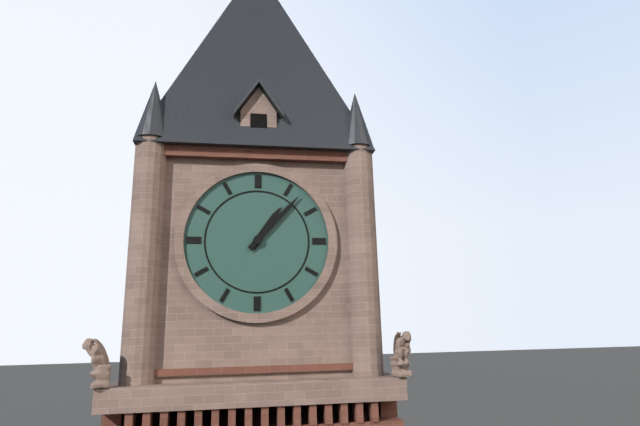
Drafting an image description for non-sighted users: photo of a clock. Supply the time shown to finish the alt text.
1:07
